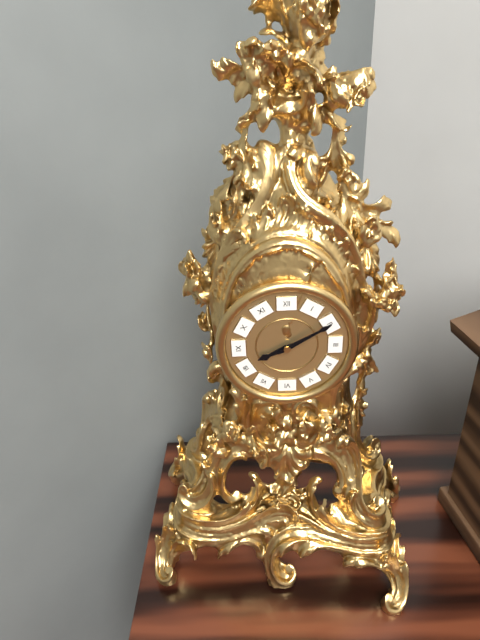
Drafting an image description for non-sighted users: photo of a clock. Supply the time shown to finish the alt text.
8:10
